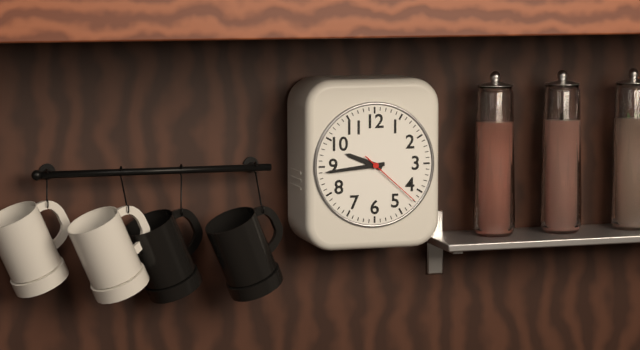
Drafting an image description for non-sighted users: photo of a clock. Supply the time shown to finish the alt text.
9:44:22
